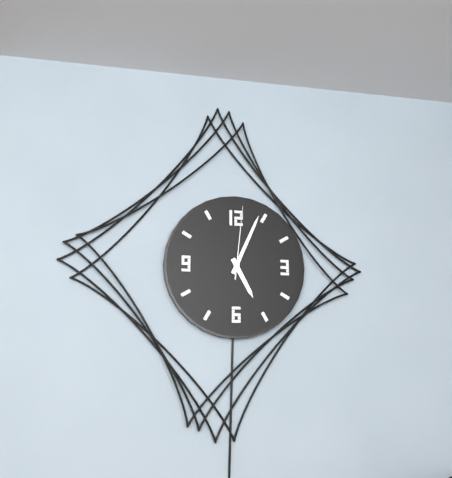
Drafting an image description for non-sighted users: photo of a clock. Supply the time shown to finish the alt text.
5:04:01
